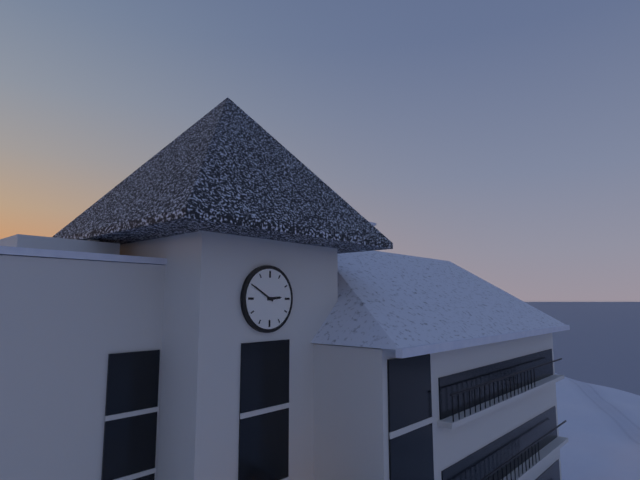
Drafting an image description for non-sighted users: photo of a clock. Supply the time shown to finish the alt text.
2:50
